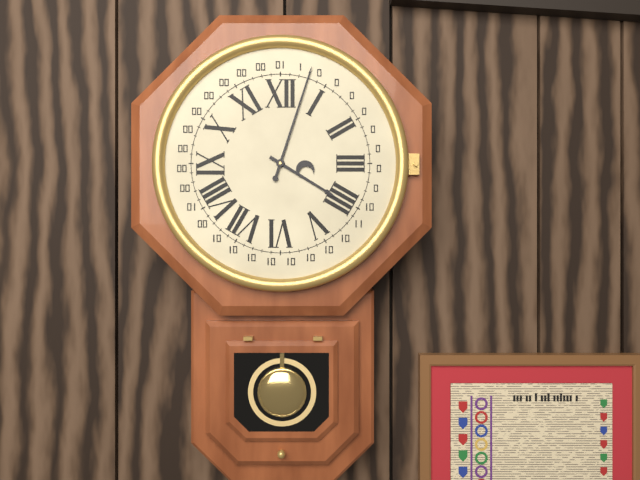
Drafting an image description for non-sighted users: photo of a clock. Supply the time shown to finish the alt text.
4:03
